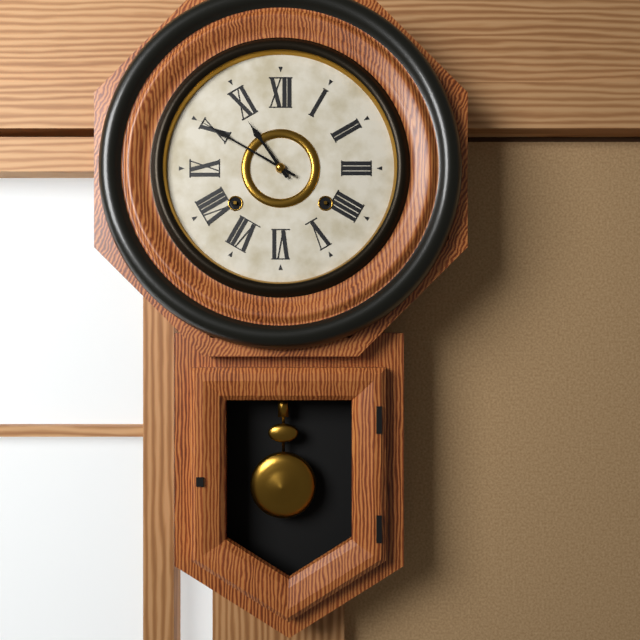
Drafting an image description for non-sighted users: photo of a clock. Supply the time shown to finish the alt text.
10:50
